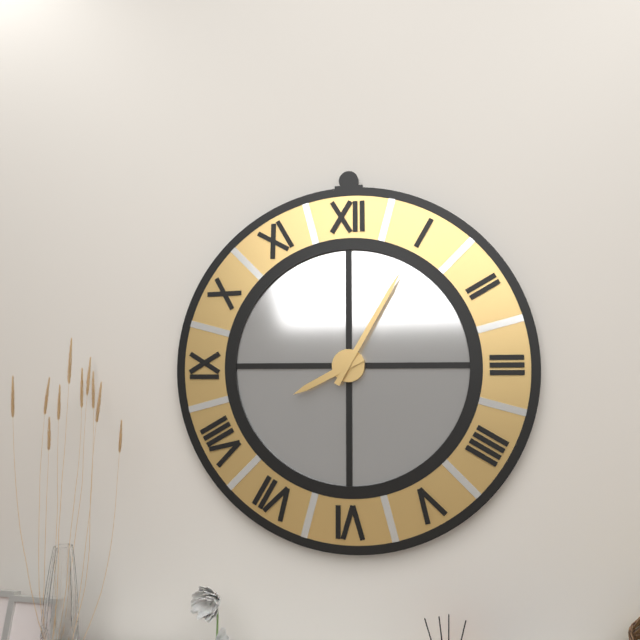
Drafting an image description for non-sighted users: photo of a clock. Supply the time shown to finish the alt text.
8:05
